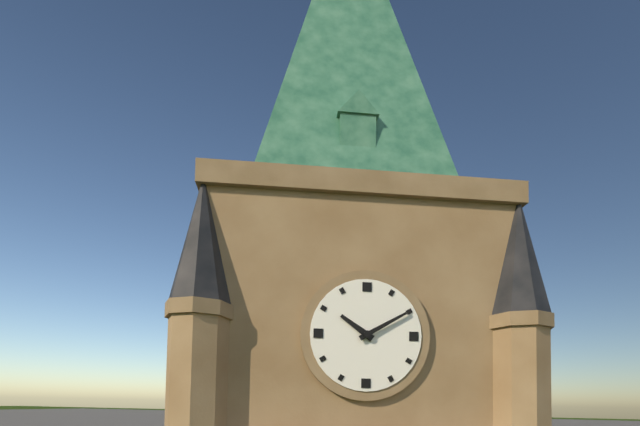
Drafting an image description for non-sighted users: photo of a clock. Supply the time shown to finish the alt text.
10:10
